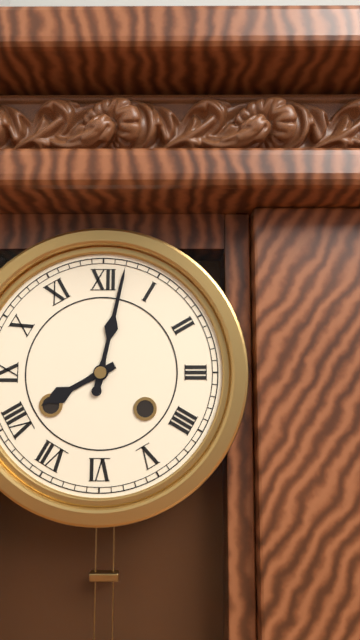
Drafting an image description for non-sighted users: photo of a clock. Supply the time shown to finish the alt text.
8:02
